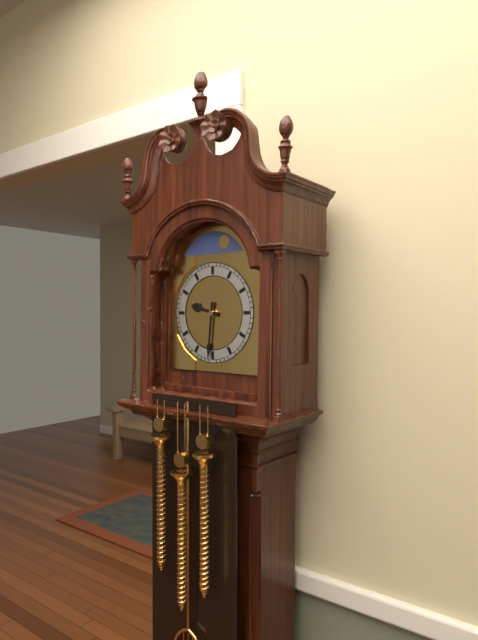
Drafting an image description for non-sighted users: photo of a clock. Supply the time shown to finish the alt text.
9:31
